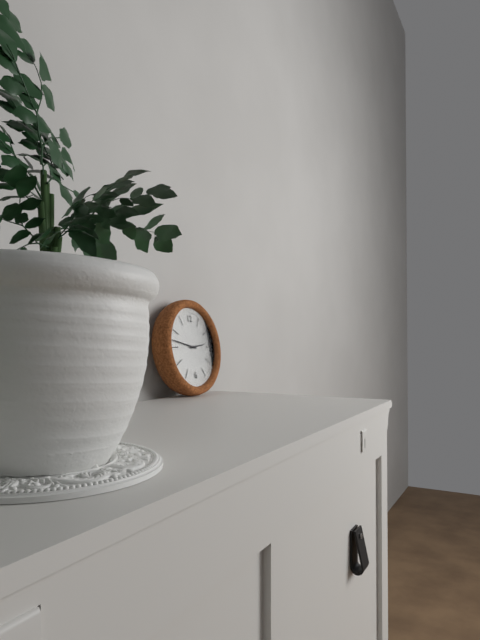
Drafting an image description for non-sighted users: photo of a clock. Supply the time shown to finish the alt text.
2:47
